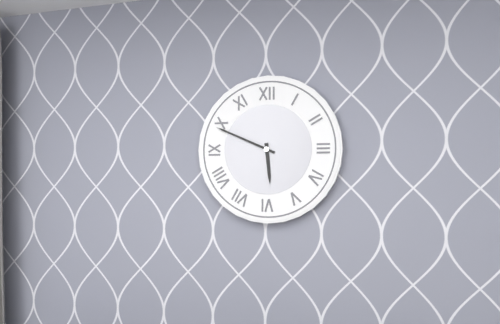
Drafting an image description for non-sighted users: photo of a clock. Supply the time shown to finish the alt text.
5:49
